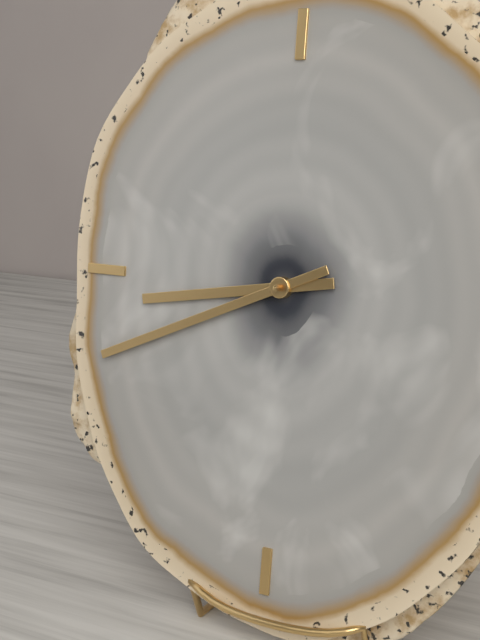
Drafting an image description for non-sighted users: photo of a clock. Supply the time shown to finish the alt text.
8:41
